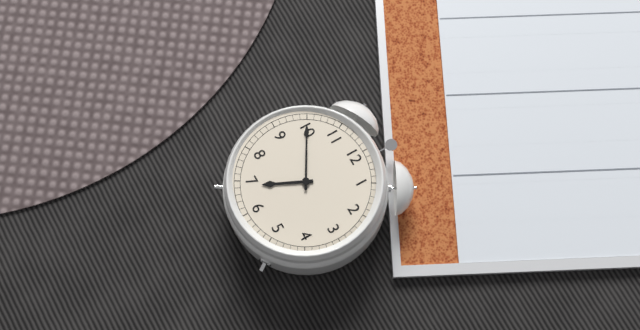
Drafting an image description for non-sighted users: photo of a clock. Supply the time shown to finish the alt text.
6:50
